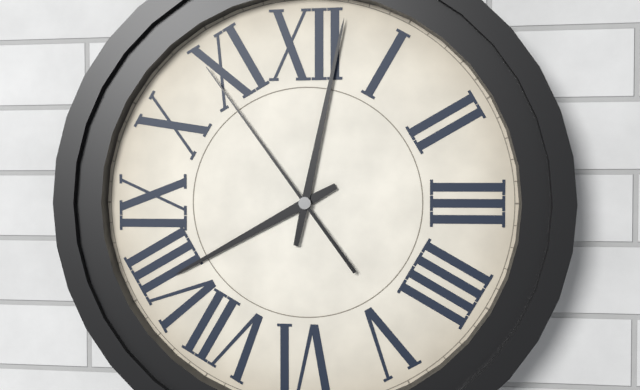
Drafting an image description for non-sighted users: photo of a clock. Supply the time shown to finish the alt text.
8:02:54
